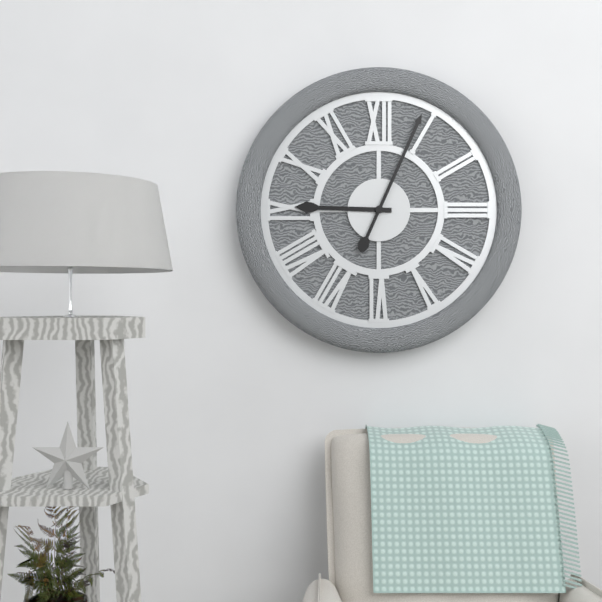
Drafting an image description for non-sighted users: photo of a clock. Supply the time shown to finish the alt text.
9:04
